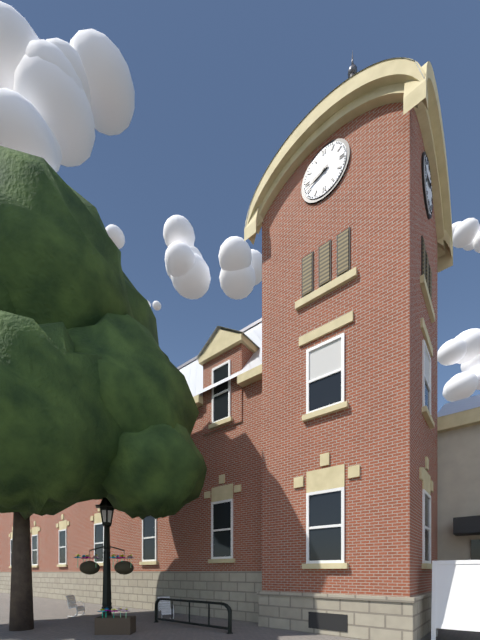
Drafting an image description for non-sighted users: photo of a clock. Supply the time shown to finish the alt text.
8:42
